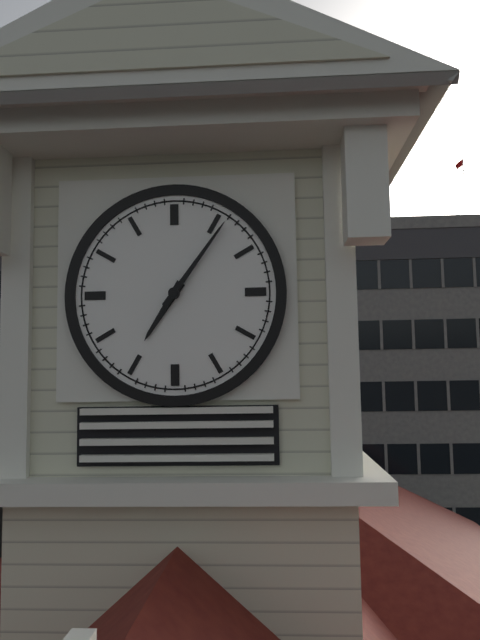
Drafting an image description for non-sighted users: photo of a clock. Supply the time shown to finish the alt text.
7:06
